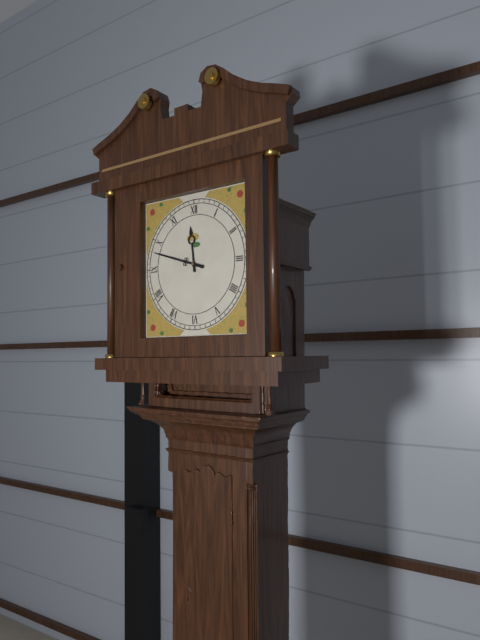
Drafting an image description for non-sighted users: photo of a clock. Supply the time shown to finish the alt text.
11:48
